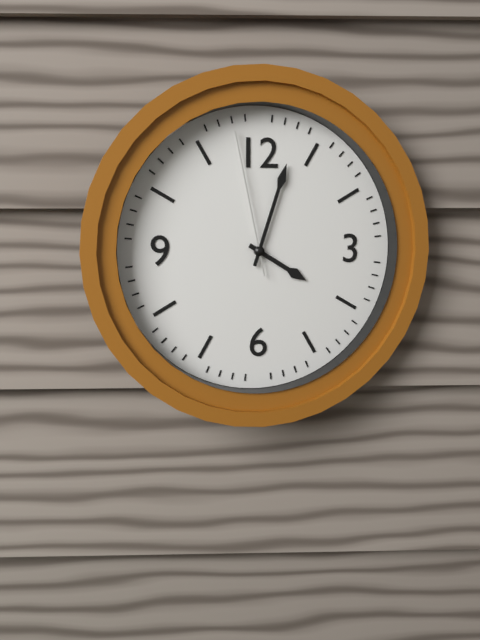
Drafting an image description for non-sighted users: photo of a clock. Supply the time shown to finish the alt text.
4:03:58
